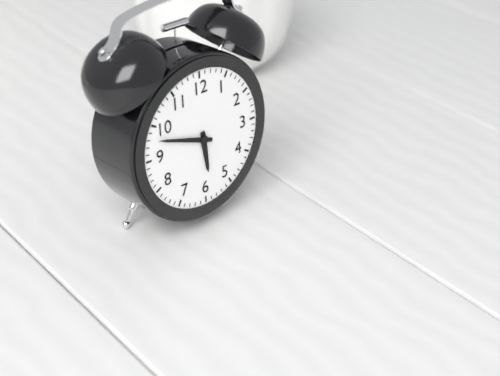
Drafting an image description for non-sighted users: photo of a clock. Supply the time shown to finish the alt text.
5:48
